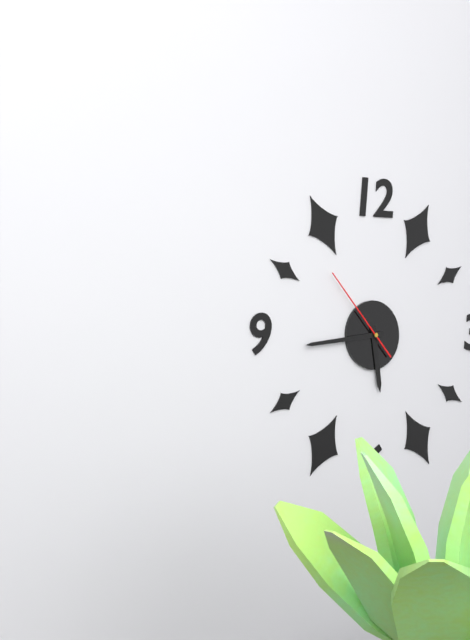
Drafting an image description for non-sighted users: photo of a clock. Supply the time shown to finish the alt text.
5:44:53
